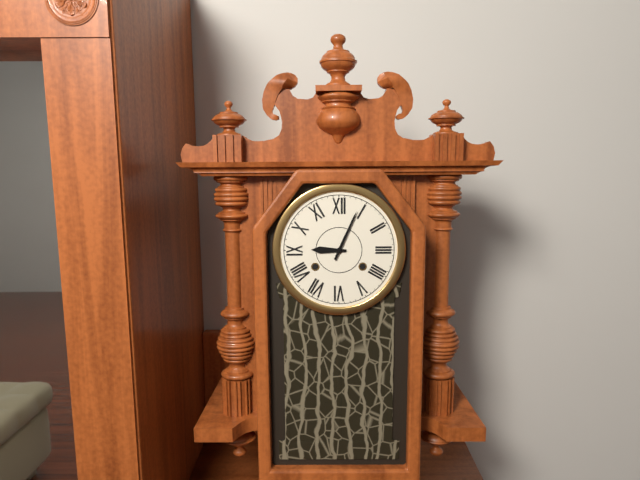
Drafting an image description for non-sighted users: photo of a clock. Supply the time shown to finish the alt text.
9:04
